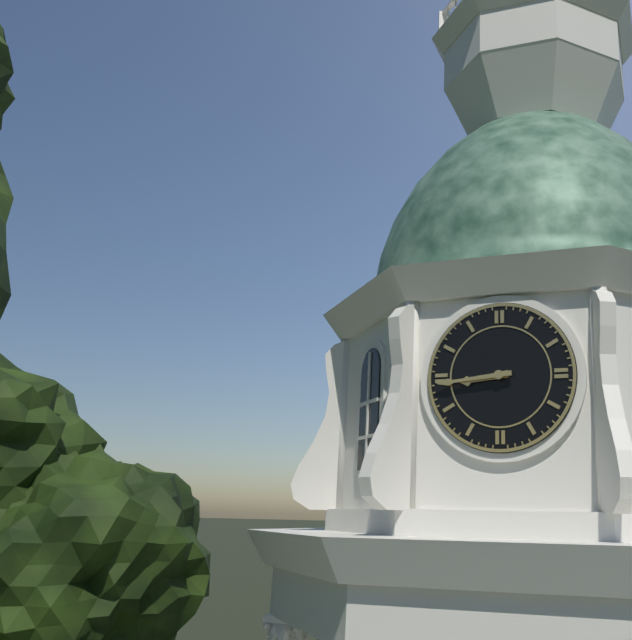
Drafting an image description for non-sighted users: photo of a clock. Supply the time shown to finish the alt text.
8:44
